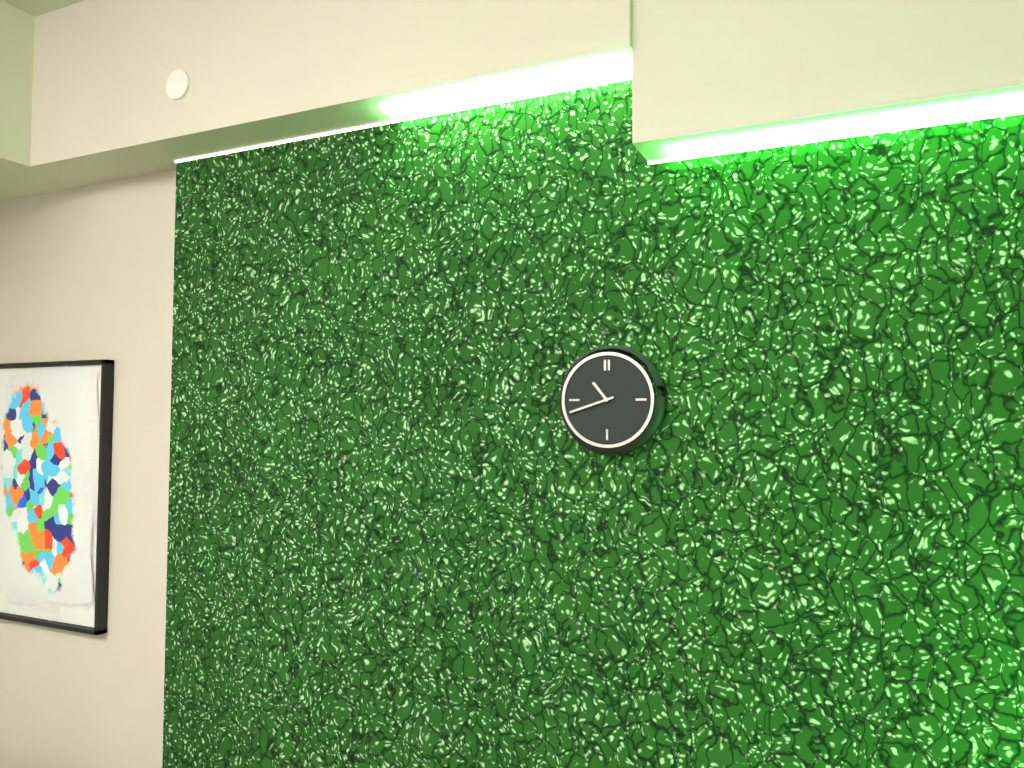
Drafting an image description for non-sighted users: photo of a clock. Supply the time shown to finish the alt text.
10:42
